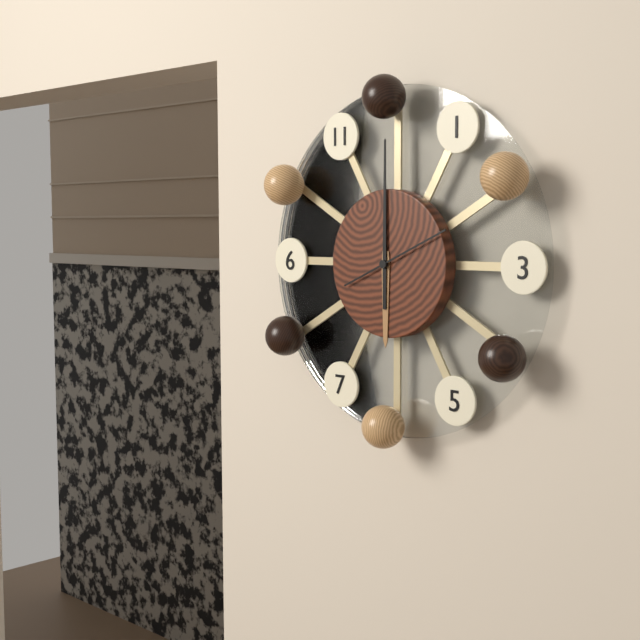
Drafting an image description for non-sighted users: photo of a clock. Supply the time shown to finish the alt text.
6:00:11
